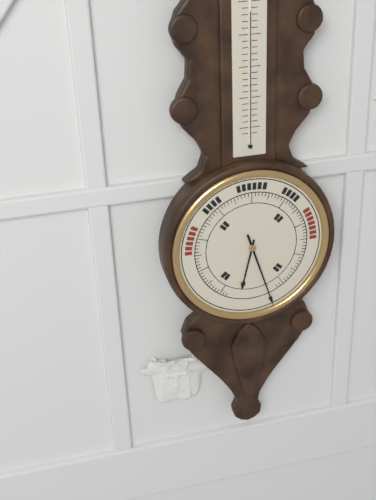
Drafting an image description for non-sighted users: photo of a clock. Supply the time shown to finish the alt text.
6:27
